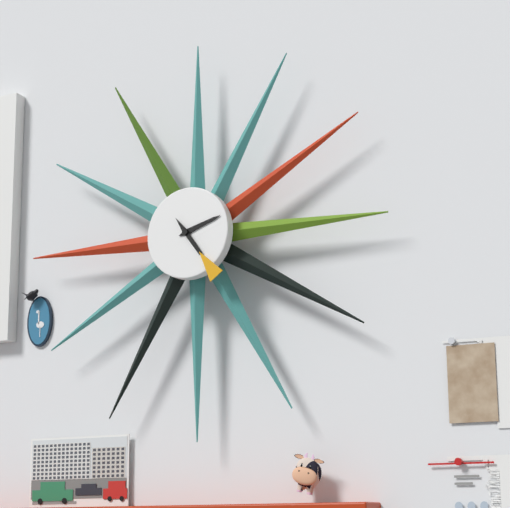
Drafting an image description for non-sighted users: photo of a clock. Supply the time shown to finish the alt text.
2:24
